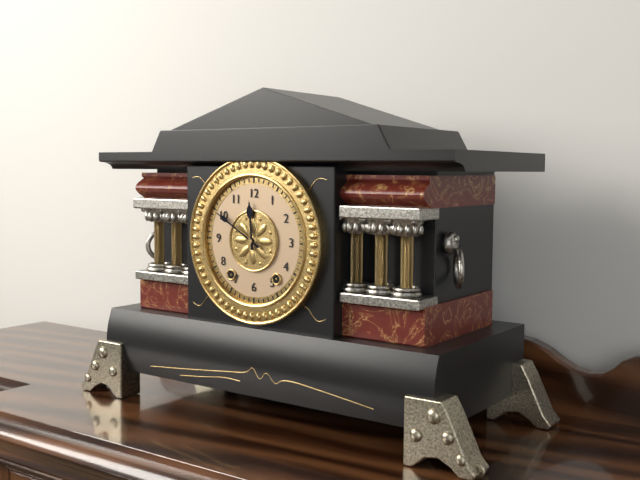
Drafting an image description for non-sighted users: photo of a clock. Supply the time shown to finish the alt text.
11:50
